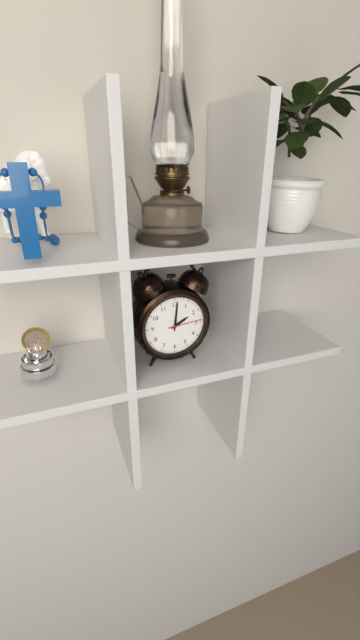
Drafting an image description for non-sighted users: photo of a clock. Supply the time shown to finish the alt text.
2:01
